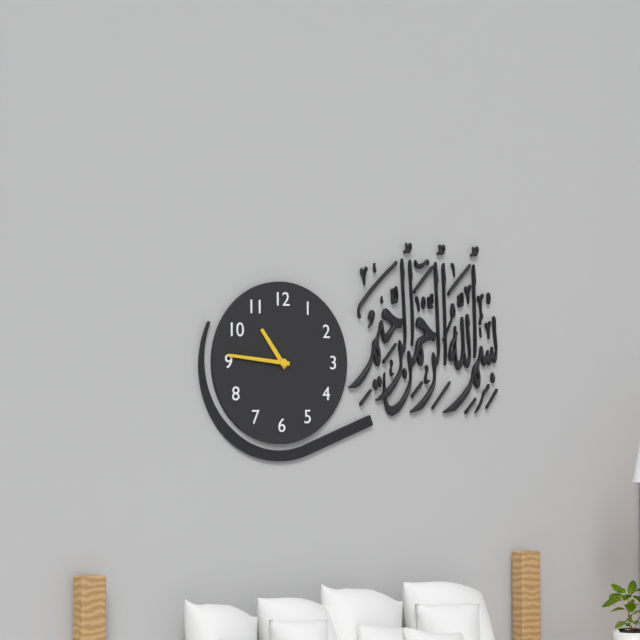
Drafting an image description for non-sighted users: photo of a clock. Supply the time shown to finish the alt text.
10:46
